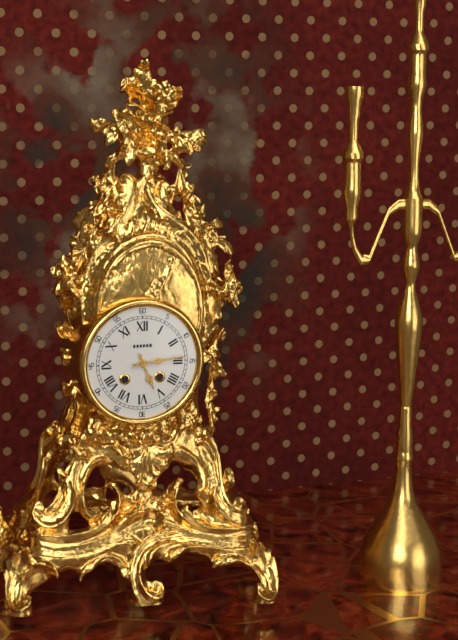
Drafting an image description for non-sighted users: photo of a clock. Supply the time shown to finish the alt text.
5:14
